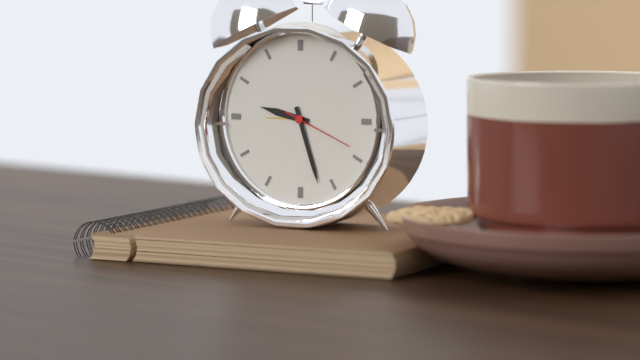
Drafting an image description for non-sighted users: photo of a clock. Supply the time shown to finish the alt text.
9:27:19
